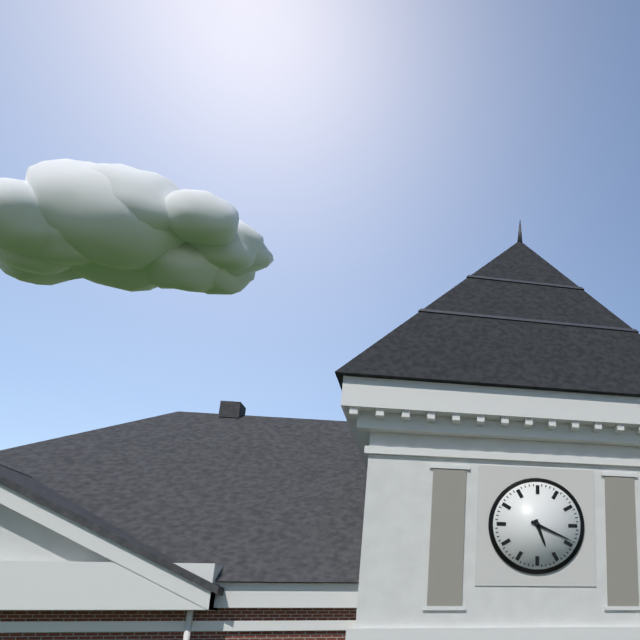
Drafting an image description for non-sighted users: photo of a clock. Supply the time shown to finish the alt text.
5:19
